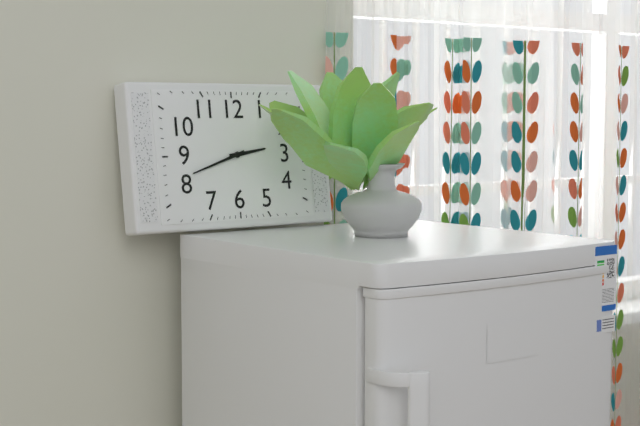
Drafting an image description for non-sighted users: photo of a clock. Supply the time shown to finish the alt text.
2:42
